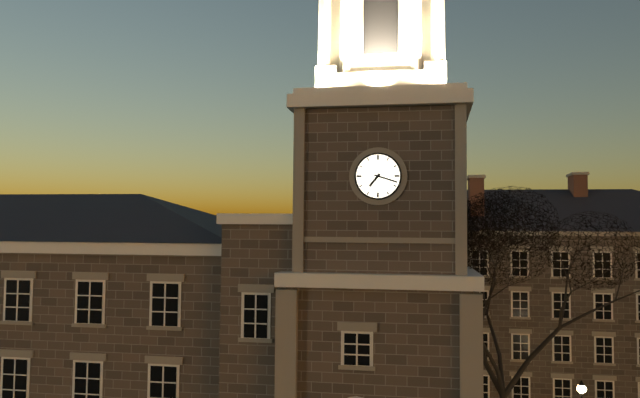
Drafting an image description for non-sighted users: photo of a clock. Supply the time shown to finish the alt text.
7:18
